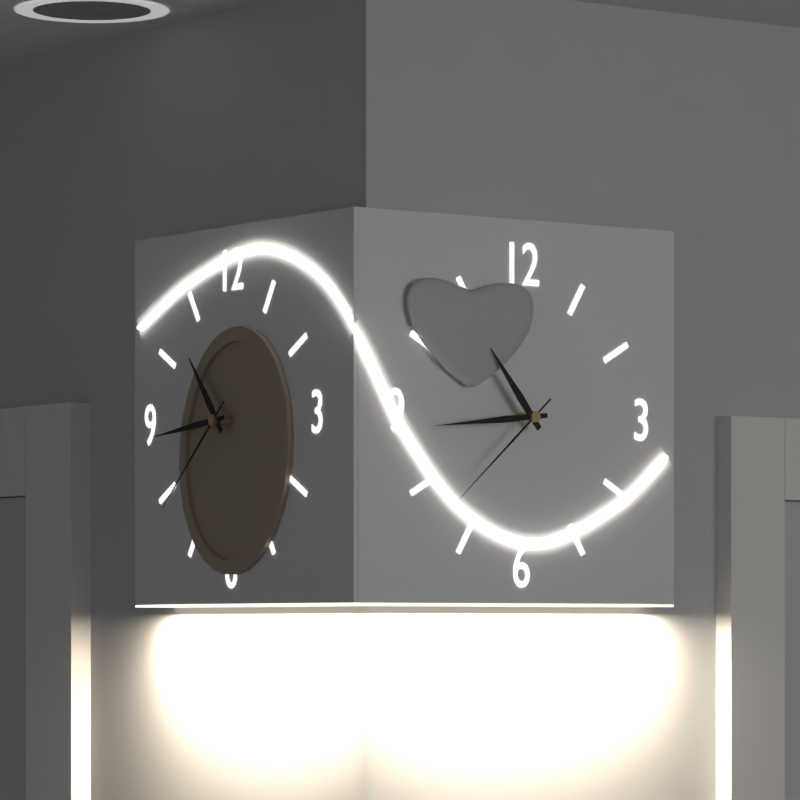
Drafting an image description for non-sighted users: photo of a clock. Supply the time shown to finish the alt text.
10:44:38
